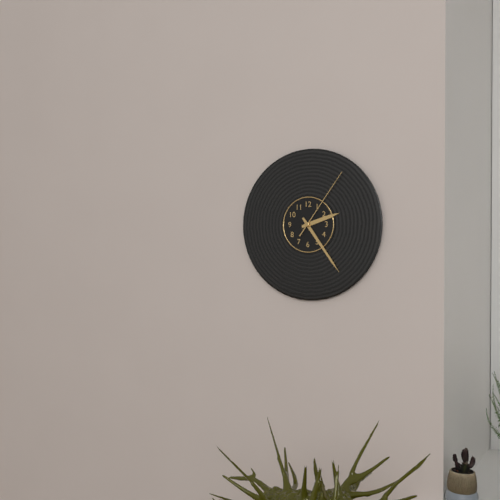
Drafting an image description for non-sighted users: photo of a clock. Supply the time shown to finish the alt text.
2:24:06
